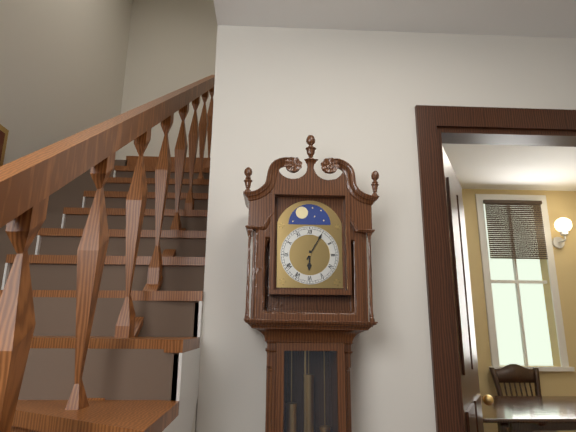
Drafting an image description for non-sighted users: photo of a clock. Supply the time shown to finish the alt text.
6:05
